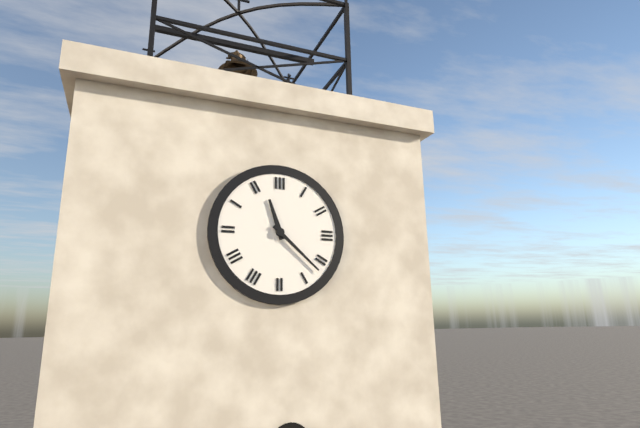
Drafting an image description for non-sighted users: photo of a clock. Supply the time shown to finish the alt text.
11:22
